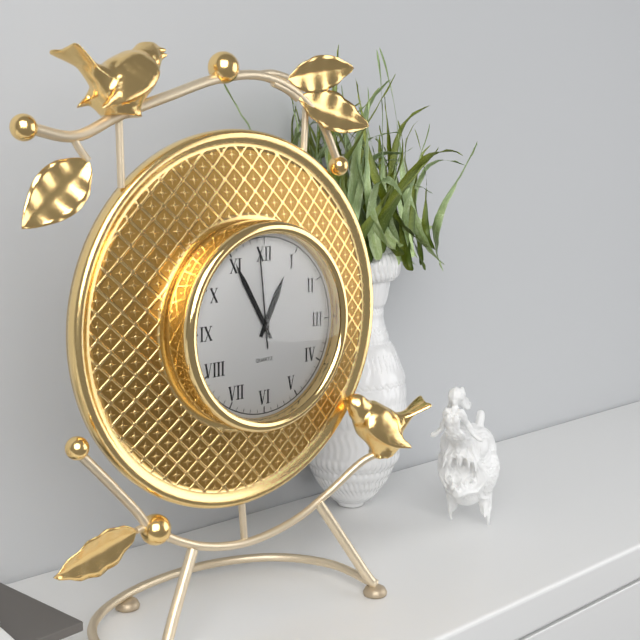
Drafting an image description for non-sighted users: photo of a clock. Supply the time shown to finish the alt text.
12:55:59
